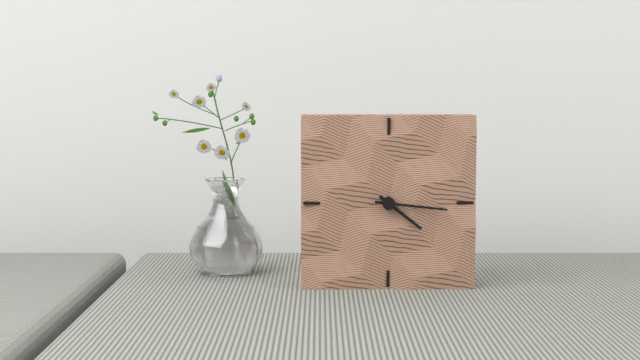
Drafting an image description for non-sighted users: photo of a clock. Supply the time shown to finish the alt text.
4:16
